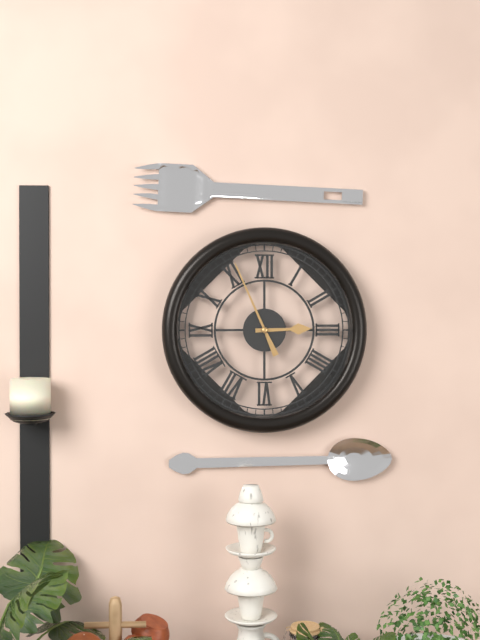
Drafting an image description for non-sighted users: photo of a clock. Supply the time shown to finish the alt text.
2:56
